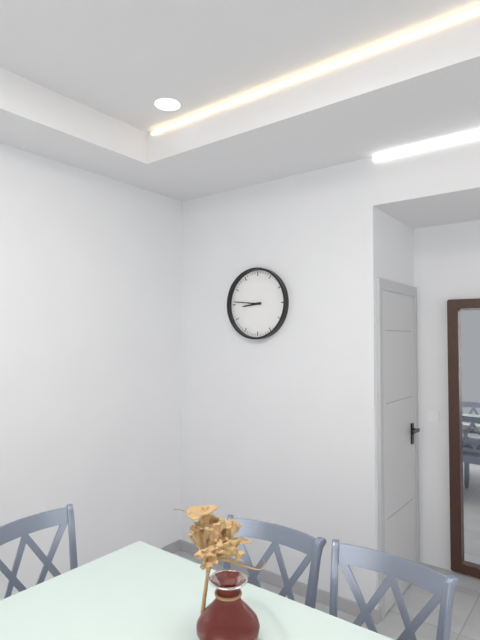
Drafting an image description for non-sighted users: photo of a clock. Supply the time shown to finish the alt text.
8:46
